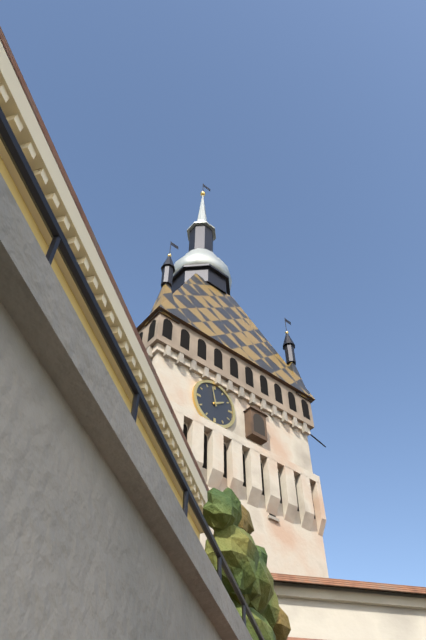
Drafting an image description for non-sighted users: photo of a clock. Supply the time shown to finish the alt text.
1:58
